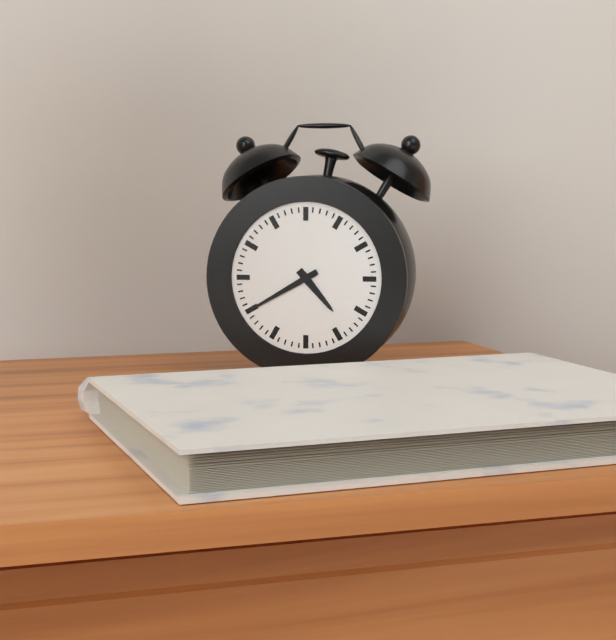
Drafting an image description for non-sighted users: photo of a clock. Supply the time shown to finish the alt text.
4:40
